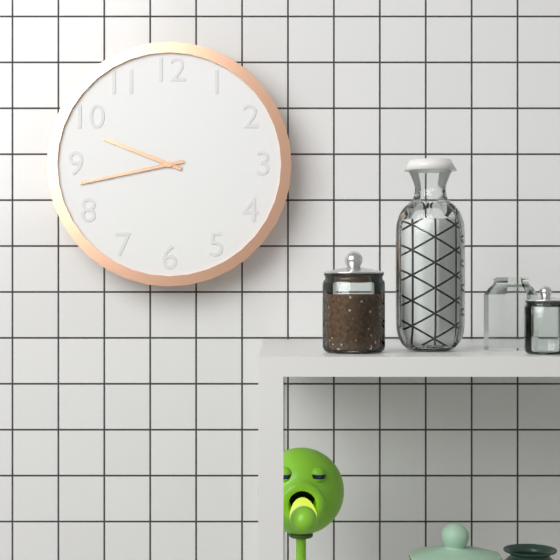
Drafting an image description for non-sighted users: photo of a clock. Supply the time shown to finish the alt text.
9:43
